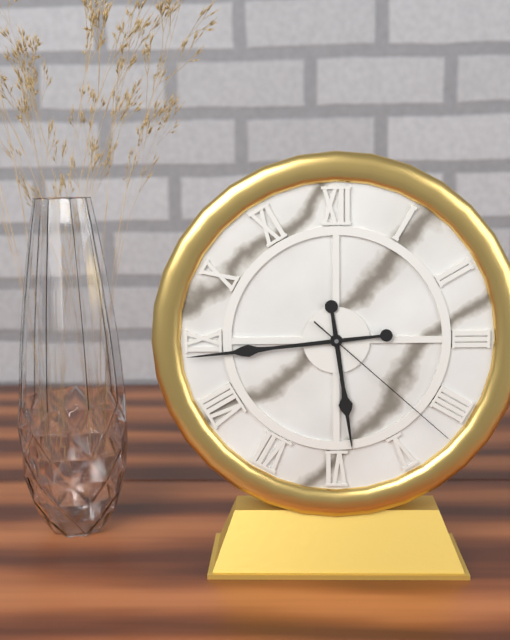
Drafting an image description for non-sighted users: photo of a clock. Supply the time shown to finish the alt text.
5:44:22
